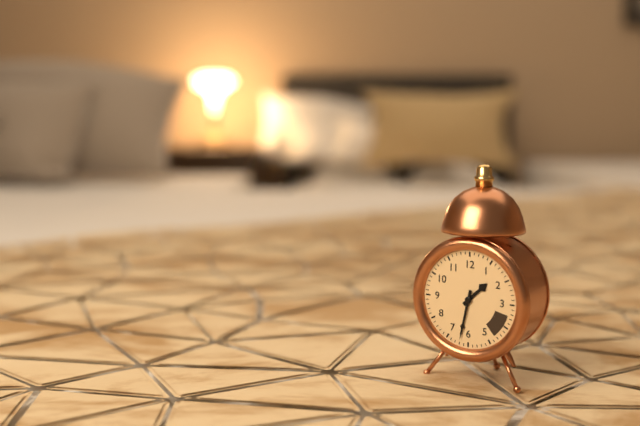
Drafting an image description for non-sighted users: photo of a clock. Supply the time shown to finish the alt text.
1:32
